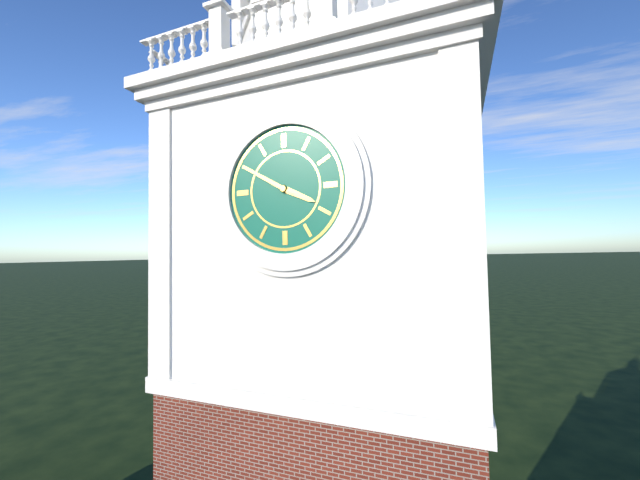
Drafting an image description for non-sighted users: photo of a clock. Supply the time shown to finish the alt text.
3:50
